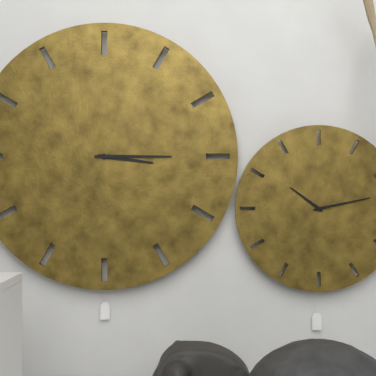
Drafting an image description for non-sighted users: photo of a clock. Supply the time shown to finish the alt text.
3:15
